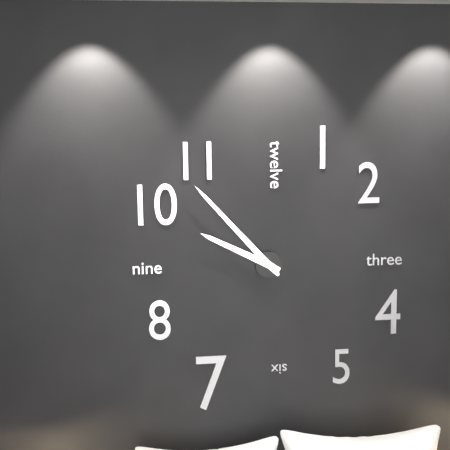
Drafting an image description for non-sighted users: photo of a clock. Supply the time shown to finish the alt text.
9:53
